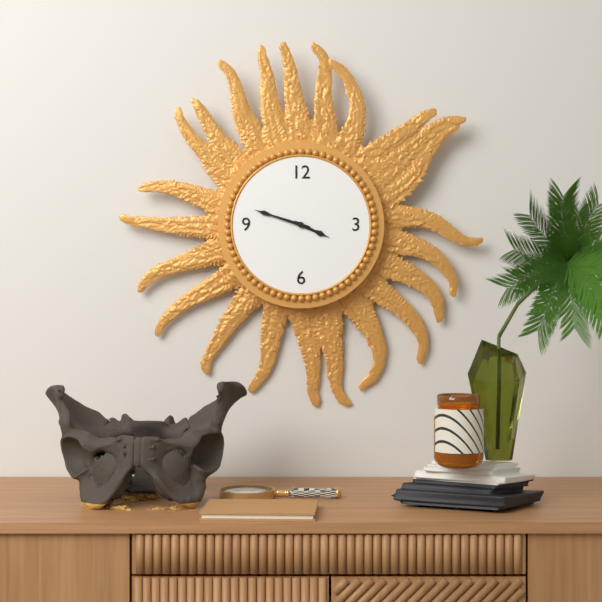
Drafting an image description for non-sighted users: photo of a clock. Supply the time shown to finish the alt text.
3:48
